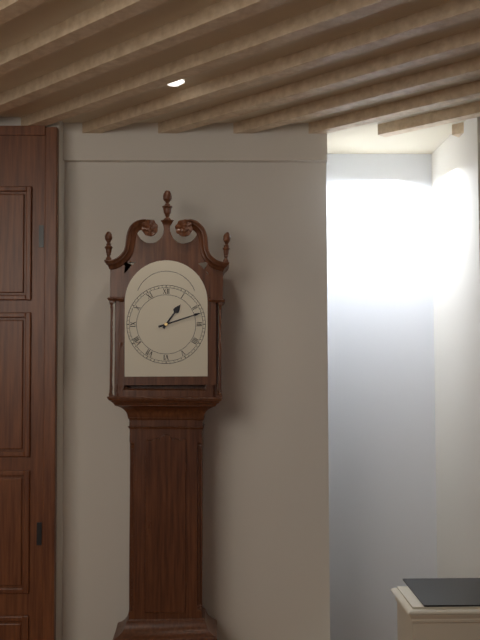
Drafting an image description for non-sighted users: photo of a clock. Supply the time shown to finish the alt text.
1:12
